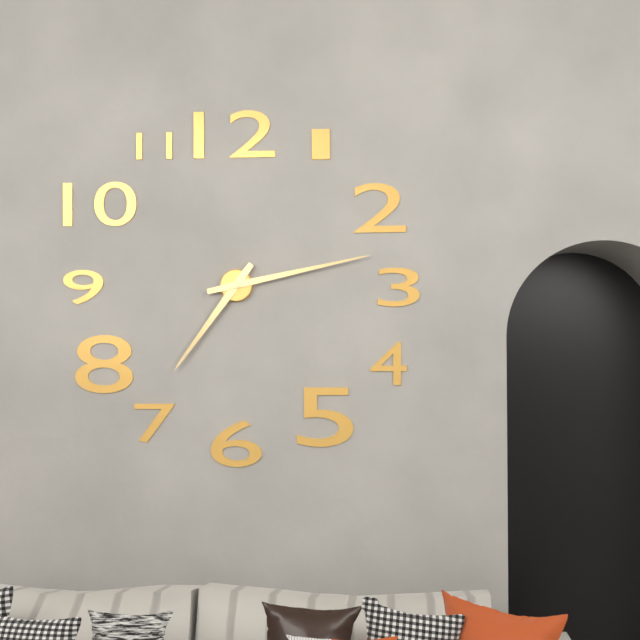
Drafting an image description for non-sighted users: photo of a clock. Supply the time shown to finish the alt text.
7:13
